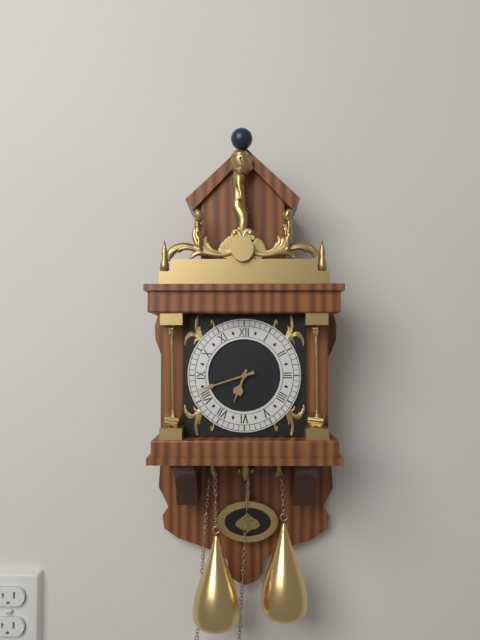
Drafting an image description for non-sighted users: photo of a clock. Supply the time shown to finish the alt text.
6:42
